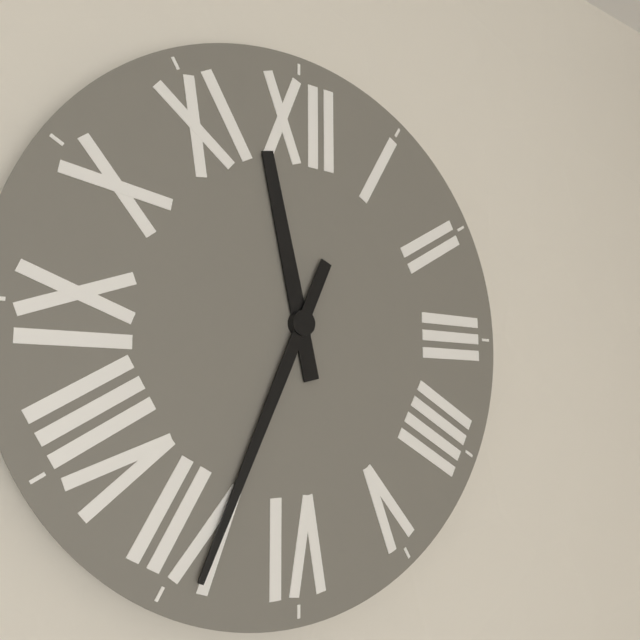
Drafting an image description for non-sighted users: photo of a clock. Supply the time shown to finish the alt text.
11:34
